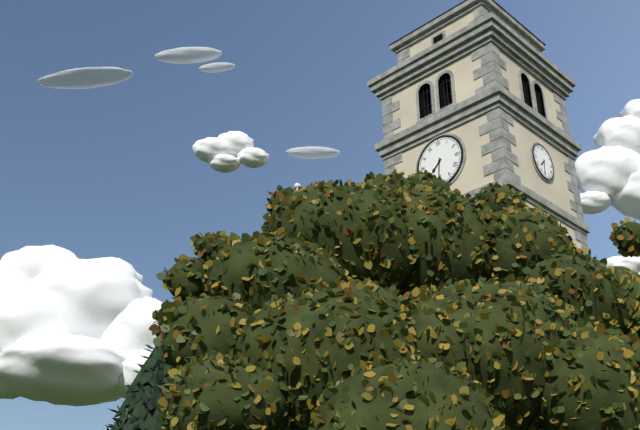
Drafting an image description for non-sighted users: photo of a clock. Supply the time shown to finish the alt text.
7:31
